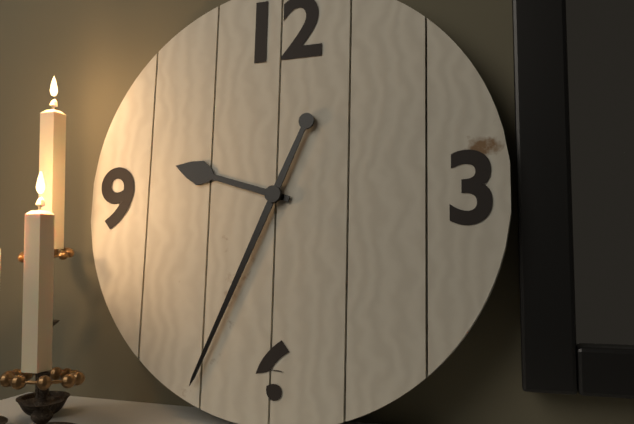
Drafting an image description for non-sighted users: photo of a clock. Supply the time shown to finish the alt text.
9:34
